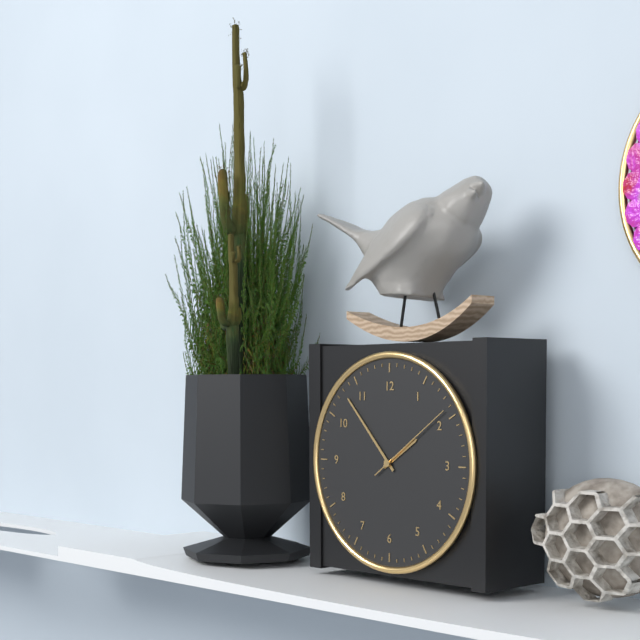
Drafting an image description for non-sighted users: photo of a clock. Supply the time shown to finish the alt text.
1:53:09
